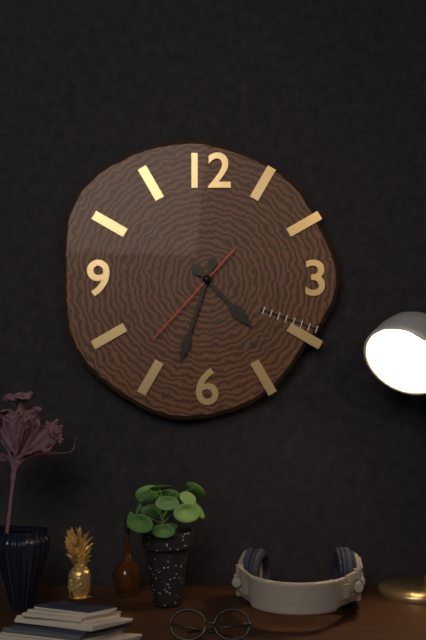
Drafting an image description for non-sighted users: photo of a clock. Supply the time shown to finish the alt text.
4:33:37
